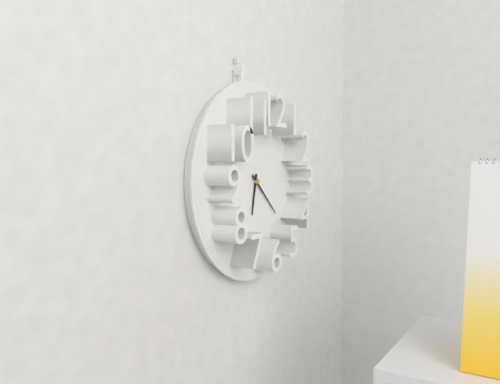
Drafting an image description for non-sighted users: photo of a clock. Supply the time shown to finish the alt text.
6:22
